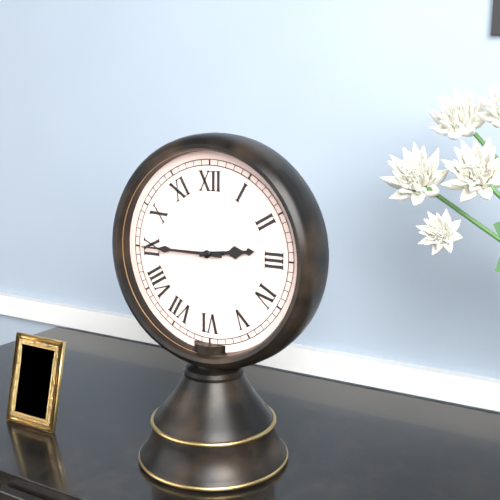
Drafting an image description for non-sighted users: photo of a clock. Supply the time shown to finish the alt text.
2:45
